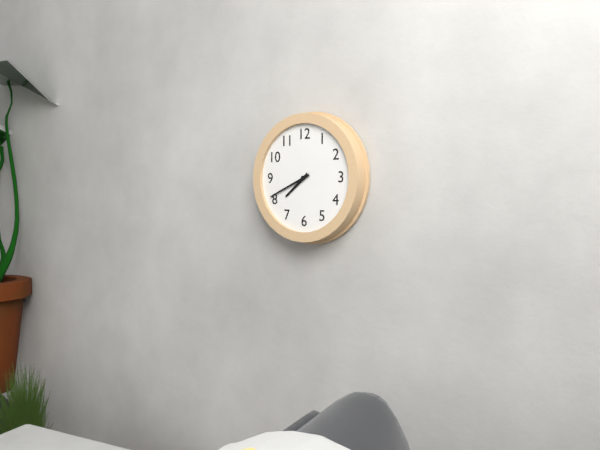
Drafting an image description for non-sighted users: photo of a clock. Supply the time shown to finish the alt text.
7:41
